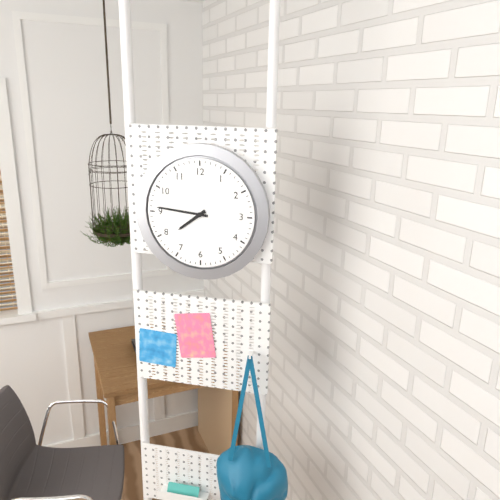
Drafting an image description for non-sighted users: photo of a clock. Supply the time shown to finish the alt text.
7:46
